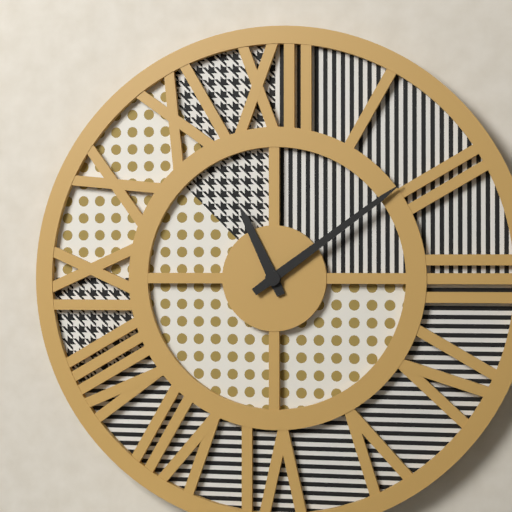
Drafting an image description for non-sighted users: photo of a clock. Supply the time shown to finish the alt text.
11:09
